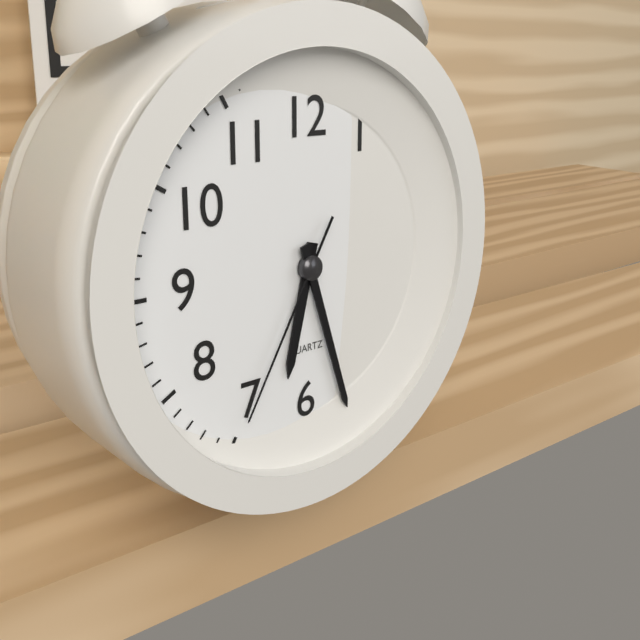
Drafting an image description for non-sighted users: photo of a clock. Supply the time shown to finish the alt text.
6:27:35
